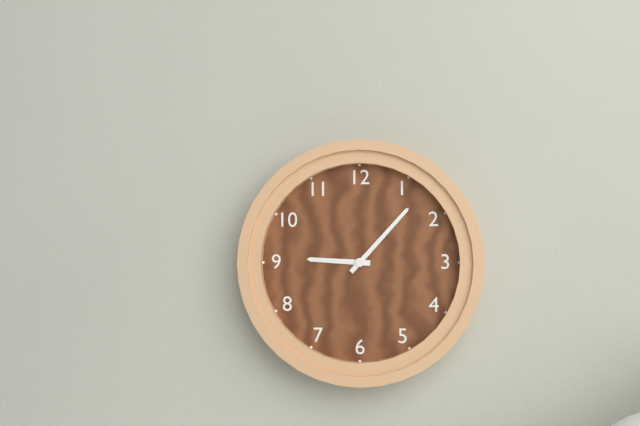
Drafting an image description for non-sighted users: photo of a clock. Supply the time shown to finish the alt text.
9:07
